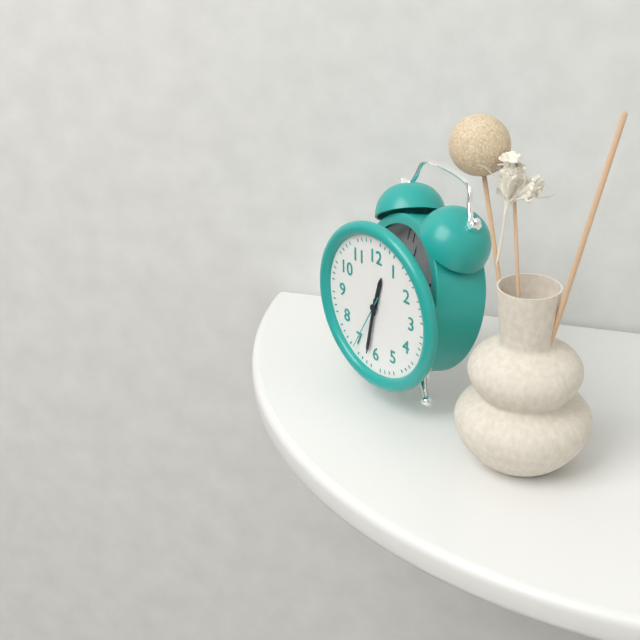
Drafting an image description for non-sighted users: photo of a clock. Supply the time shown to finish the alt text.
12:32:35
